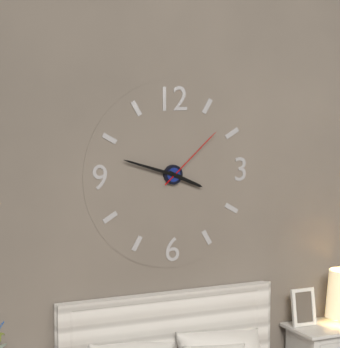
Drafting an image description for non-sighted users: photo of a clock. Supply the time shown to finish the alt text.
3:48:08
